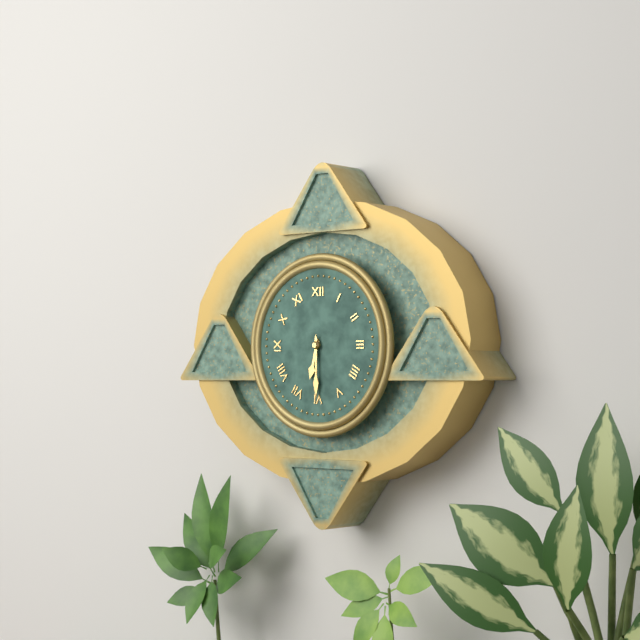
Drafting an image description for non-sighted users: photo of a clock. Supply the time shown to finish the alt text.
6:30
